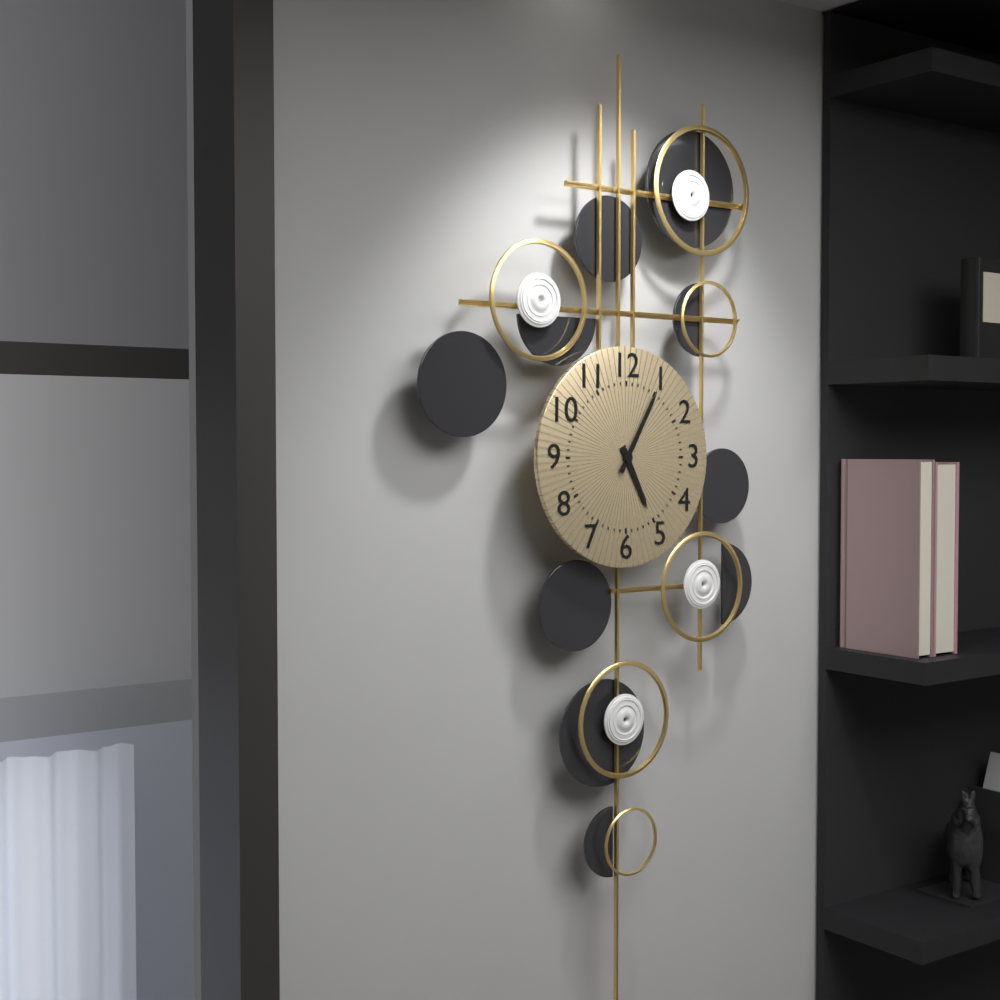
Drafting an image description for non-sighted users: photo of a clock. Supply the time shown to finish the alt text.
5:05
